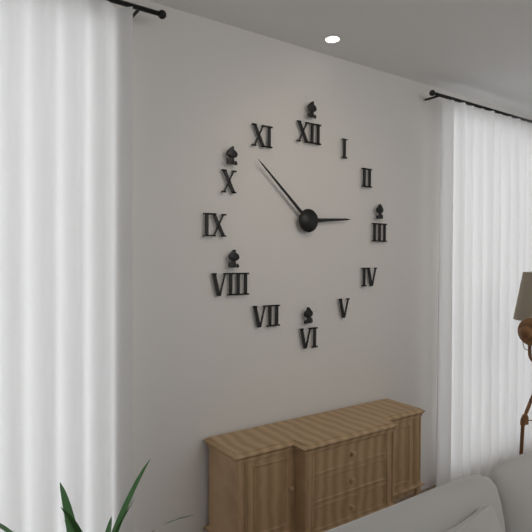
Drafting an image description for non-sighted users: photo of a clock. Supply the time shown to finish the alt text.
2:52
